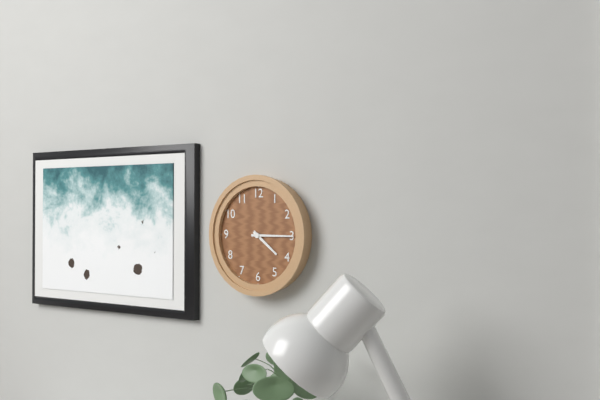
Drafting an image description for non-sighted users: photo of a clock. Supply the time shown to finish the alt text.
4:15
